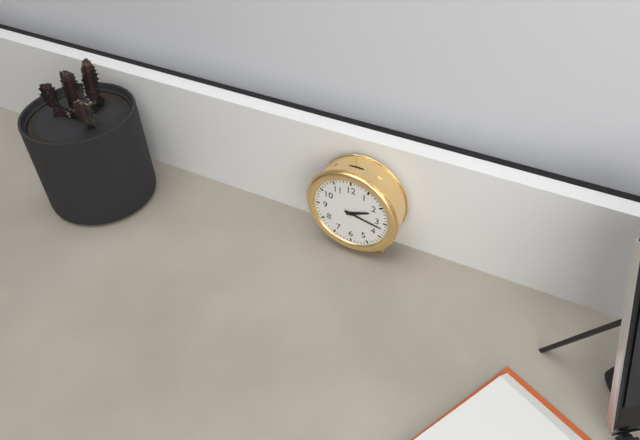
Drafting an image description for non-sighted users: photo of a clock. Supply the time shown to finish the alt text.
2:17
